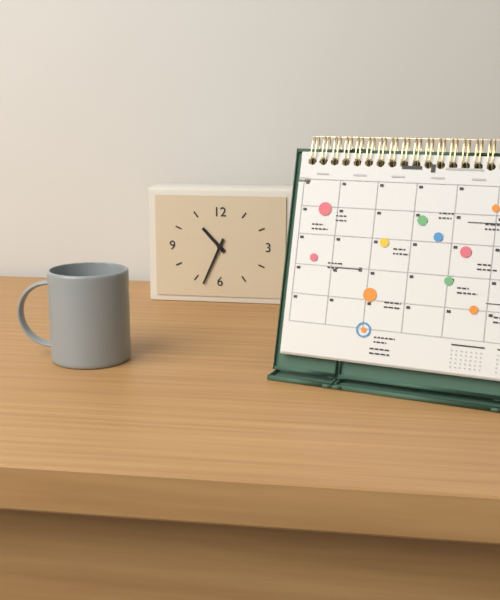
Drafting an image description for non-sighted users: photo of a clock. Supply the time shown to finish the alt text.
10:34
